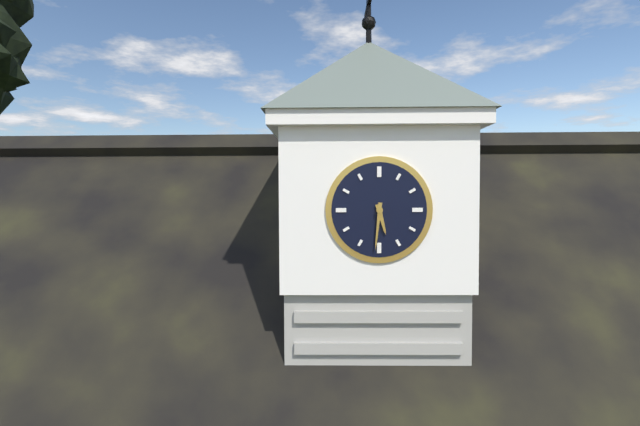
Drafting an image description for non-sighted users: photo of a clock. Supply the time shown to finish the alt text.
5:31
